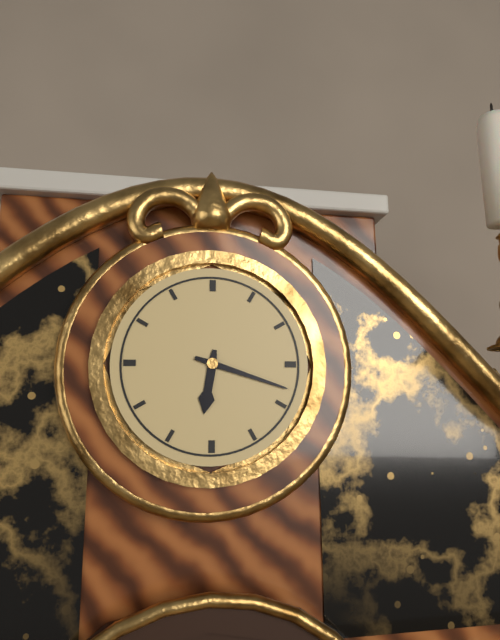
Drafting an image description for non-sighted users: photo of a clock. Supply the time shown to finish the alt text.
6:18
